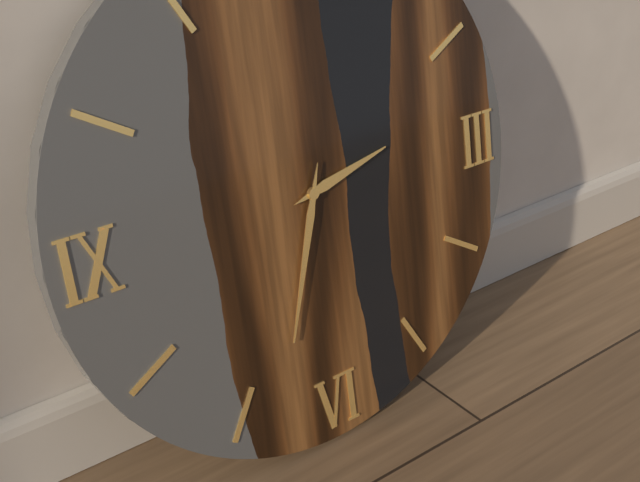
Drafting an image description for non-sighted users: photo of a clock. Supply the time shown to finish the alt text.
2:33
